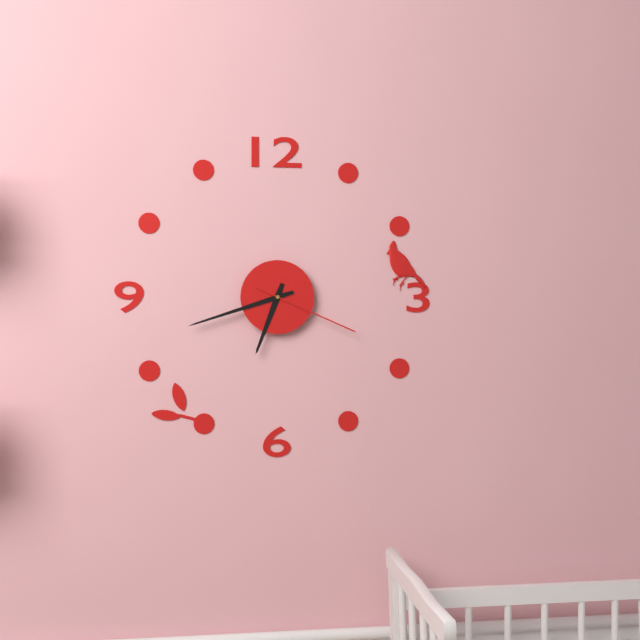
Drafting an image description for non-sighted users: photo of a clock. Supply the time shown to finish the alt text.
6:42:19
